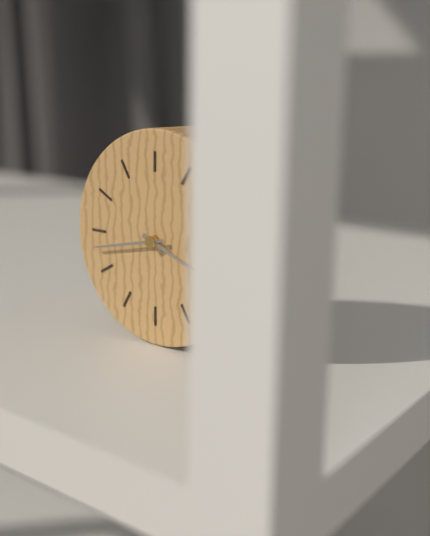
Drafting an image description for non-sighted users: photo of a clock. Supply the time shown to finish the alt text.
3:43
